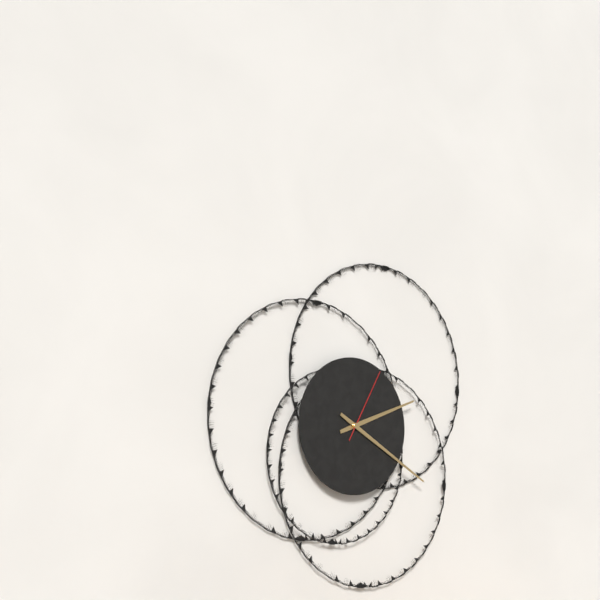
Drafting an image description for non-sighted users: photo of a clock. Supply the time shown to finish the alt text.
2:20:05
